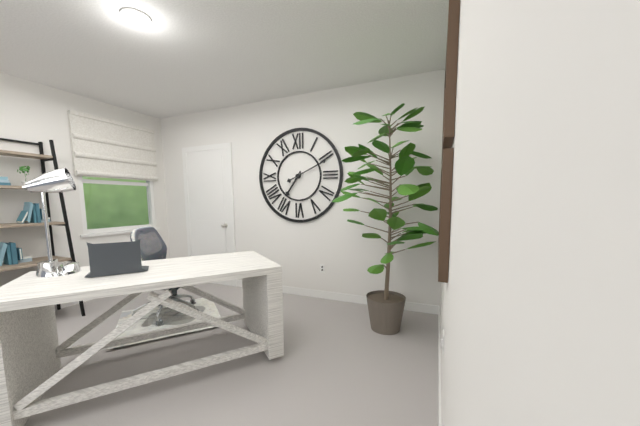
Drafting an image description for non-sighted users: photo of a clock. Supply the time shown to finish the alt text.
7:11
